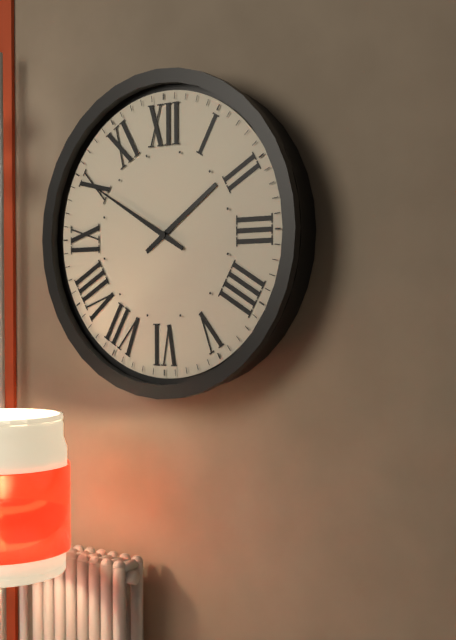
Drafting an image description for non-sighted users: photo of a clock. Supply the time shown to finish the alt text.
1:50
